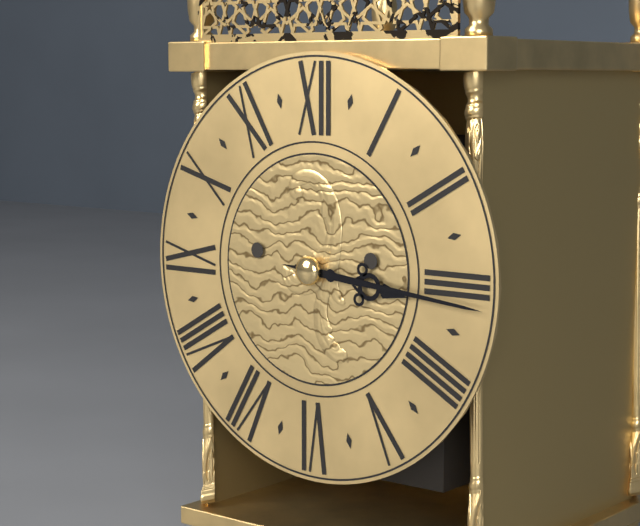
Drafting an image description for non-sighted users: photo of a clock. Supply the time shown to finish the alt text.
3:16
